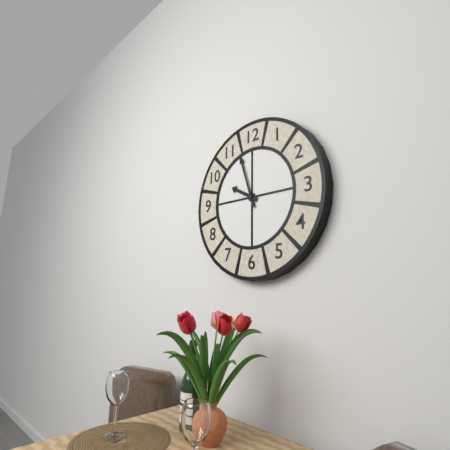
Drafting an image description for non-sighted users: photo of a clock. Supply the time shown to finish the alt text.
9:57
